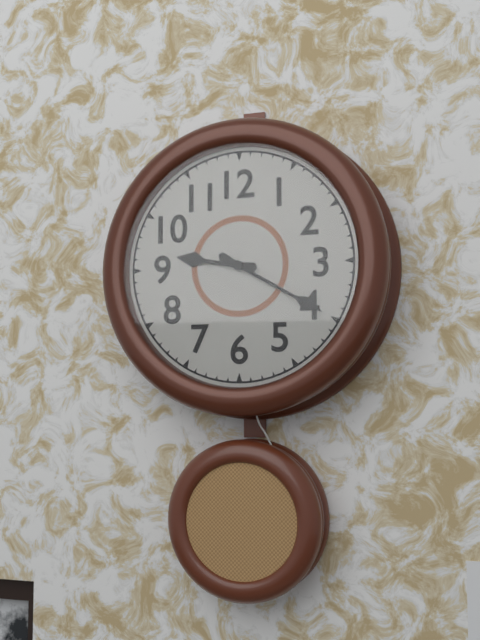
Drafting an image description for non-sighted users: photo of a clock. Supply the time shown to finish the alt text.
9:20
